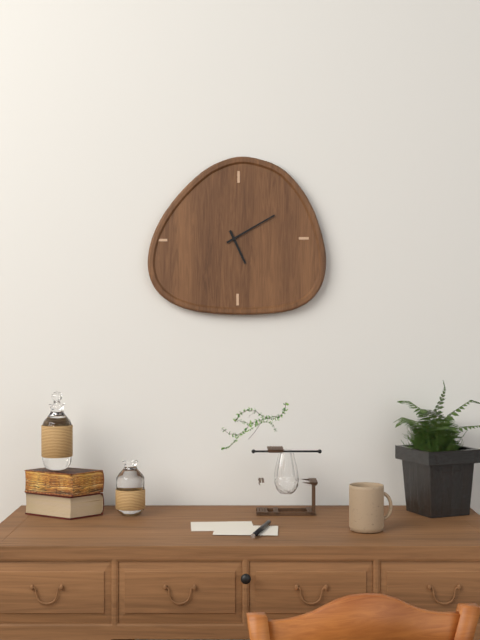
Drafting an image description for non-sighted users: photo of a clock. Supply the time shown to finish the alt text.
5:10
